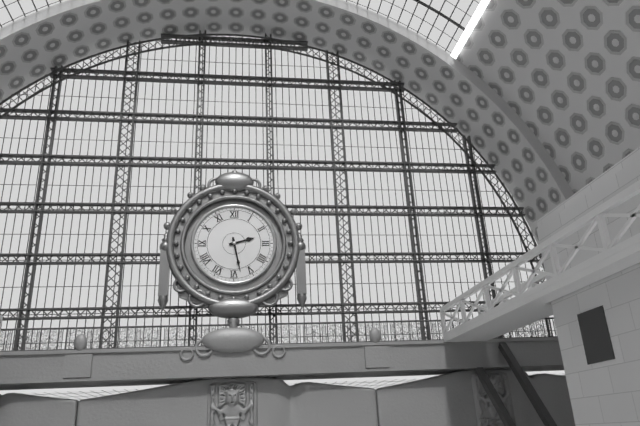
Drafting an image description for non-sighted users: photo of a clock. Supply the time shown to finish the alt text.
2:28
